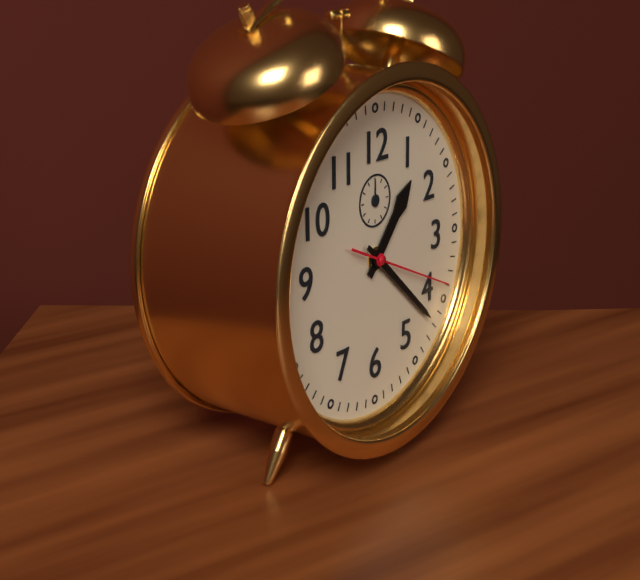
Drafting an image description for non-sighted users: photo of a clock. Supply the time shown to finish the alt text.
1:22:19
